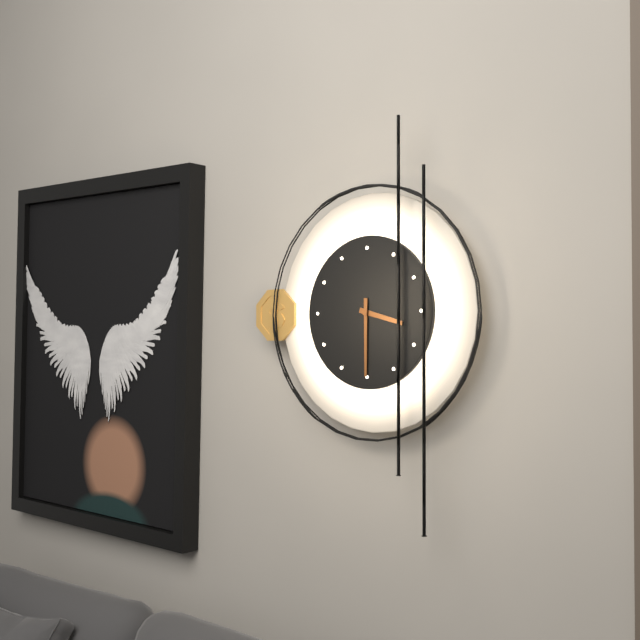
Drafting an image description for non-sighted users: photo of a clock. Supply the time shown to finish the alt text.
3:30
